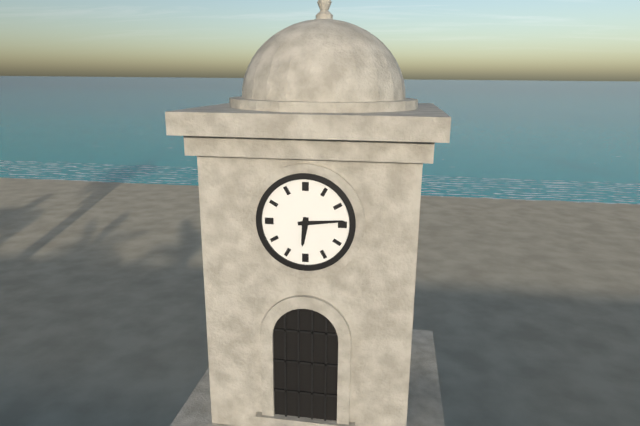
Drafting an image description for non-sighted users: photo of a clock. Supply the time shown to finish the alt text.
6:14
